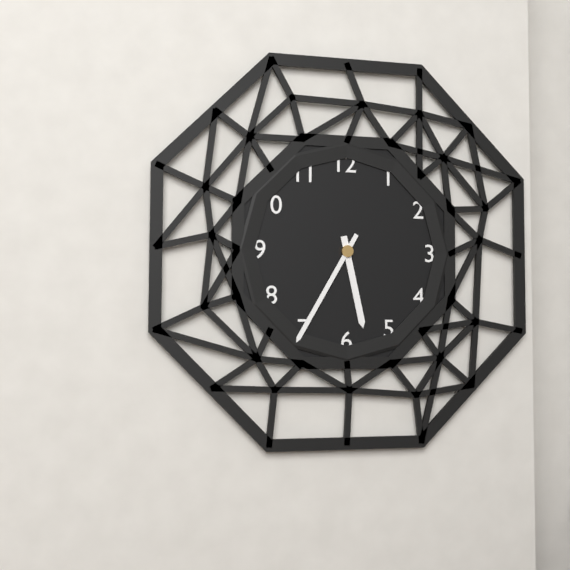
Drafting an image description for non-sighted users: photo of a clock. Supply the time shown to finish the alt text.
5:35
